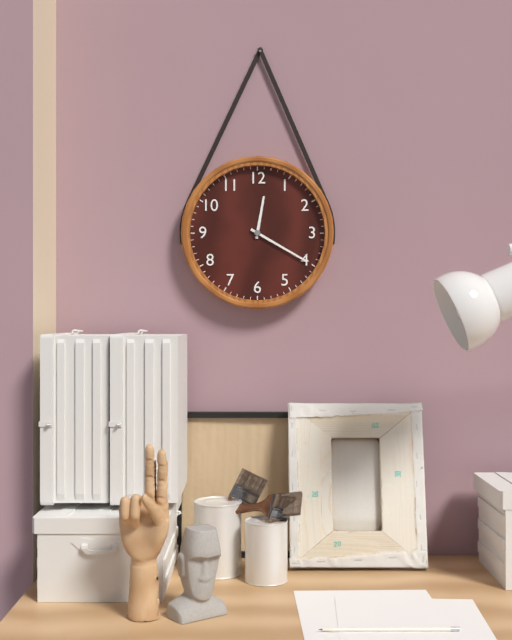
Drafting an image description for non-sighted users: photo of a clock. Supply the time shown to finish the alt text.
12:20
